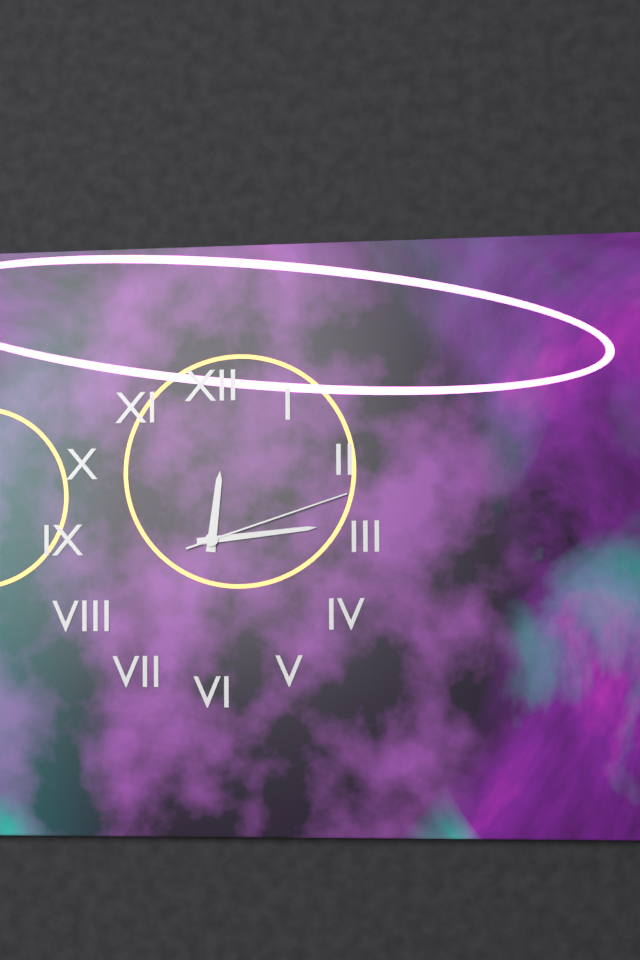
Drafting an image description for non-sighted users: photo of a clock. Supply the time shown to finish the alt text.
12:14:12
